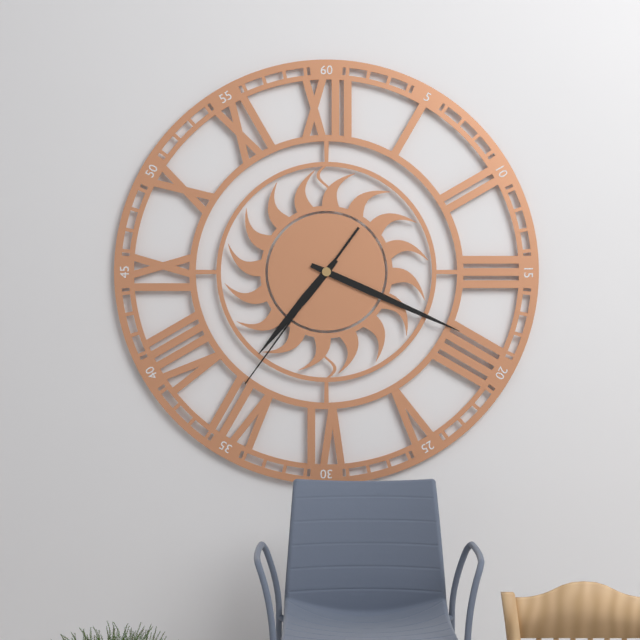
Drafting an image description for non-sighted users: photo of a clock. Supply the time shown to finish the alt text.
7:19:36
